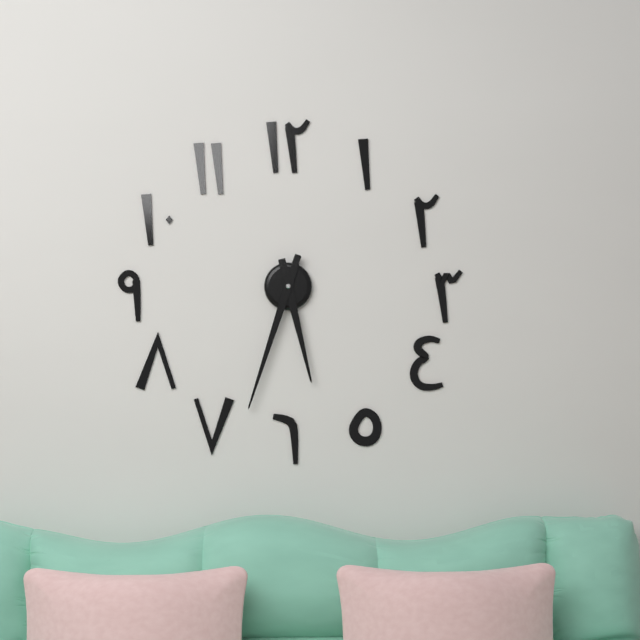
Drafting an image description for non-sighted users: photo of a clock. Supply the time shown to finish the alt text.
5:33
